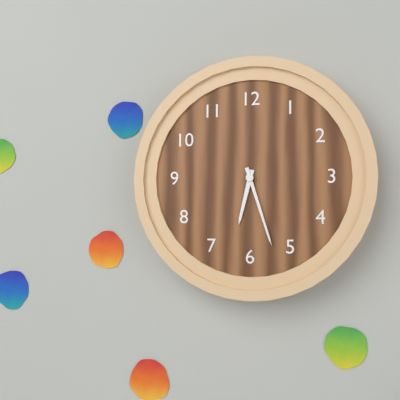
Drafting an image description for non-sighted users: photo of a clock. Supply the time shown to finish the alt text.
6:27
